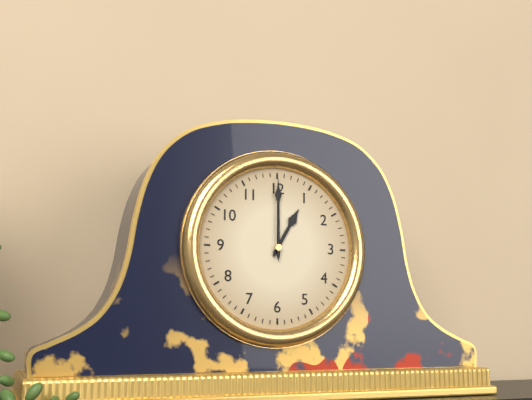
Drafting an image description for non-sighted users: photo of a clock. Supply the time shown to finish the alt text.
1:00
